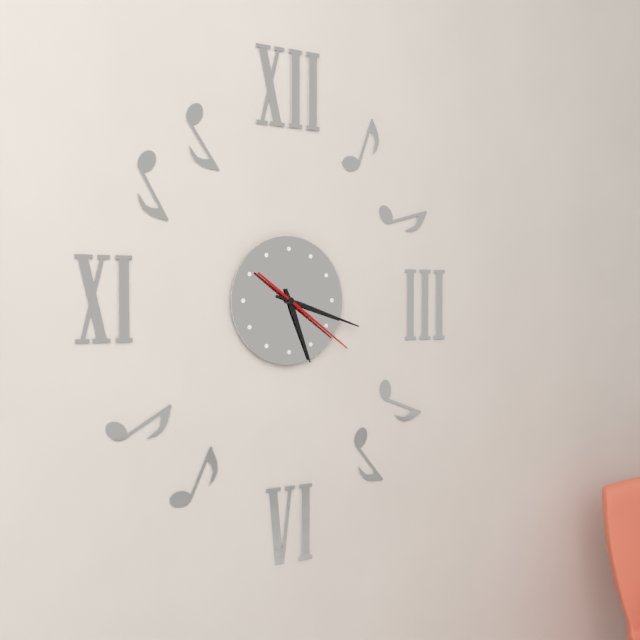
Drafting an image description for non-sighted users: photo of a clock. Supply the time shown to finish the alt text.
5:18:21
